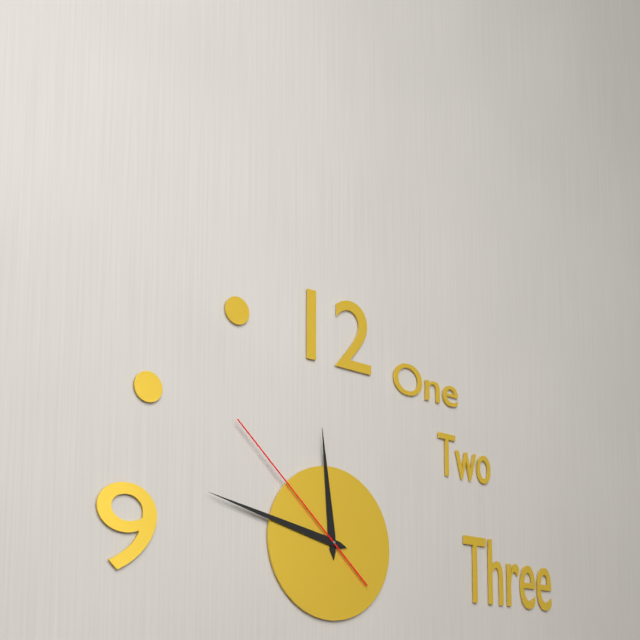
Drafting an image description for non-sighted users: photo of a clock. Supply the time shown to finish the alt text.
11:47:52
